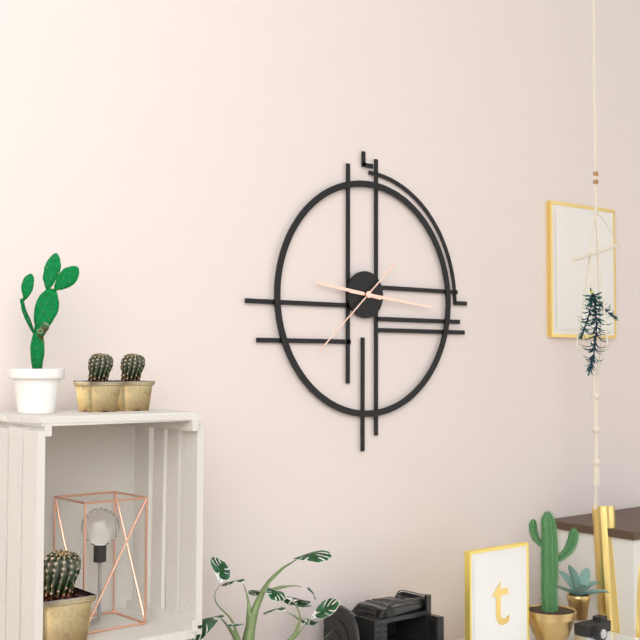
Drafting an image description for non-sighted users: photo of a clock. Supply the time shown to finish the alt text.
9:16:38
